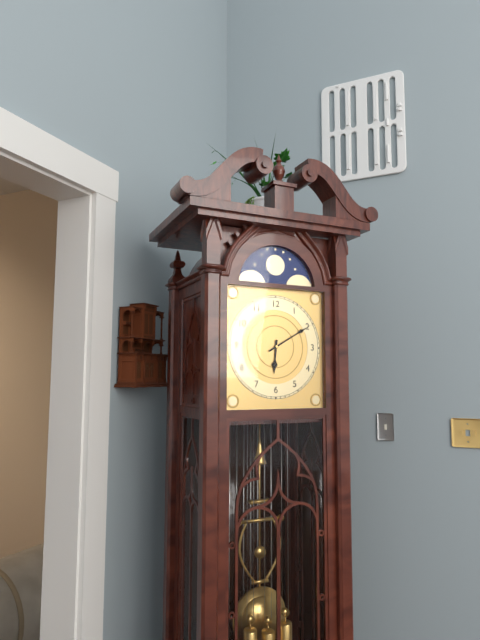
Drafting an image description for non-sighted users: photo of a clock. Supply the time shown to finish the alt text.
6:10
